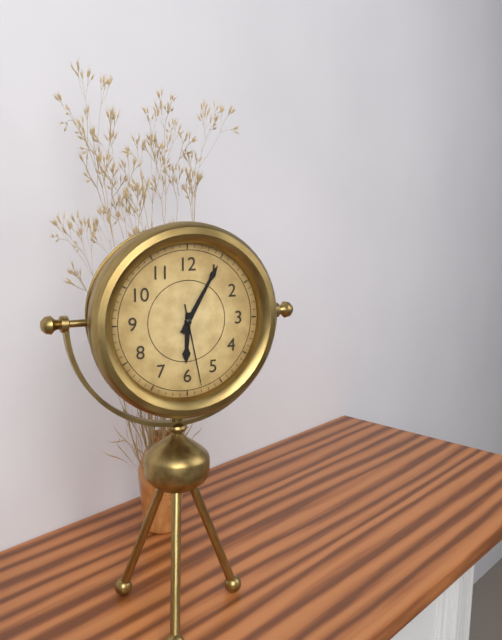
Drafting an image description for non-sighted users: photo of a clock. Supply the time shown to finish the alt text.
6:05:28
